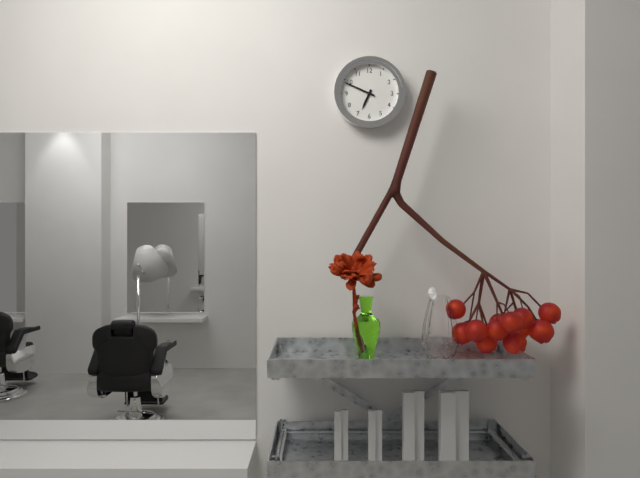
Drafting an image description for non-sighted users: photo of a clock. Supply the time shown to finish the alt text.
6:49
